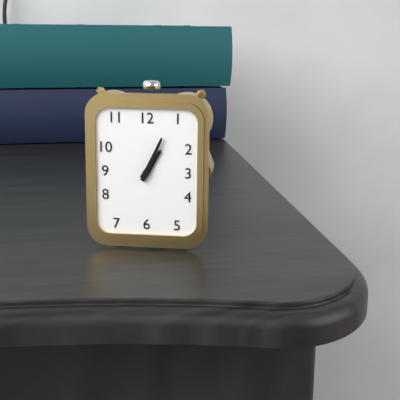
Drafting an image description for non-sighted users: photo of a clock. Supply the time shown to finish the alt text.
1:04
